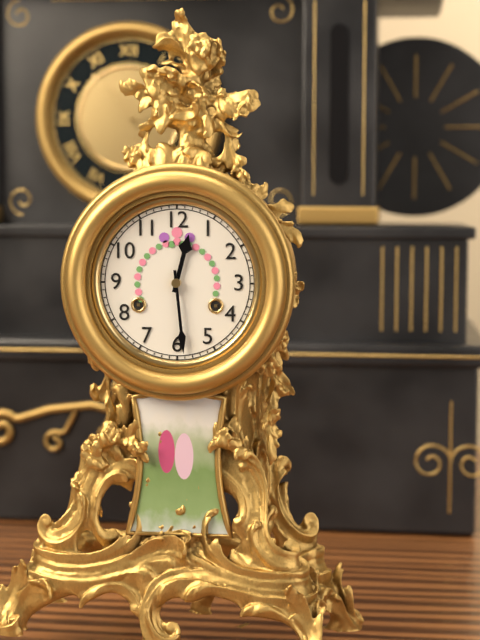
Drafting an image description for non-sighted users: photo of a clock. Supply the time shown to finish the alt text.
12:29
